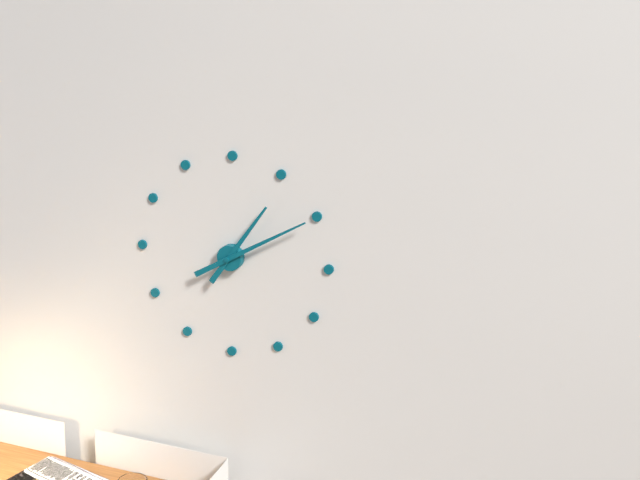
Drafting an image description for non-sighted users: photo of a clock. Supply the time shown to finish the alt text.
1:10
